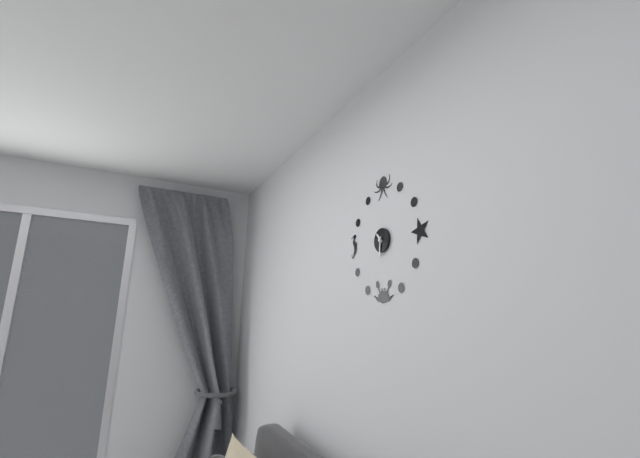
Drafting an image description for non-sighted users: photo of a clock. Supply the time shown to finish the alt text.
10:31
